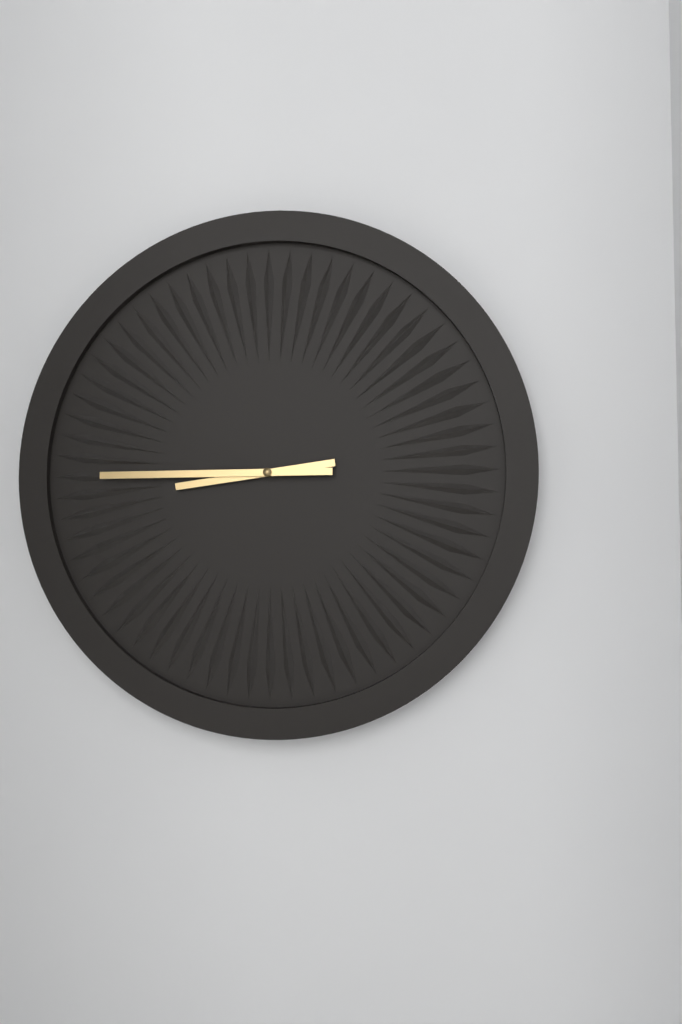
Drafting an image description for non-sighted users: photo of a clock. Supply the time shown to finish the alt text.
8:45
